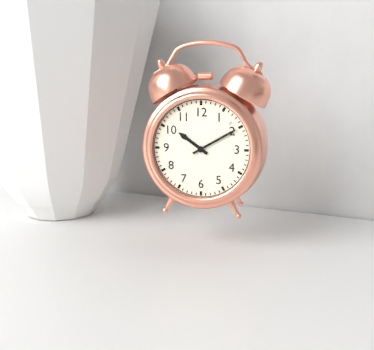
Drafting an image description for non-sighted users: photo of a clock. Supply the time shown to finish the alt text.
10:10
